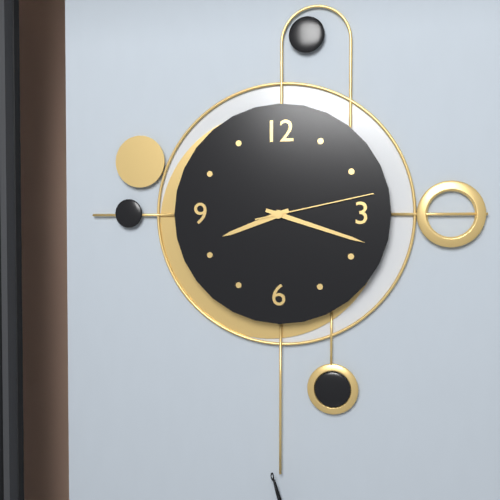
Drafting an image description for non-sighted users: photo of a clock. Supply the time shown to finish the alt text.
8:18:13
